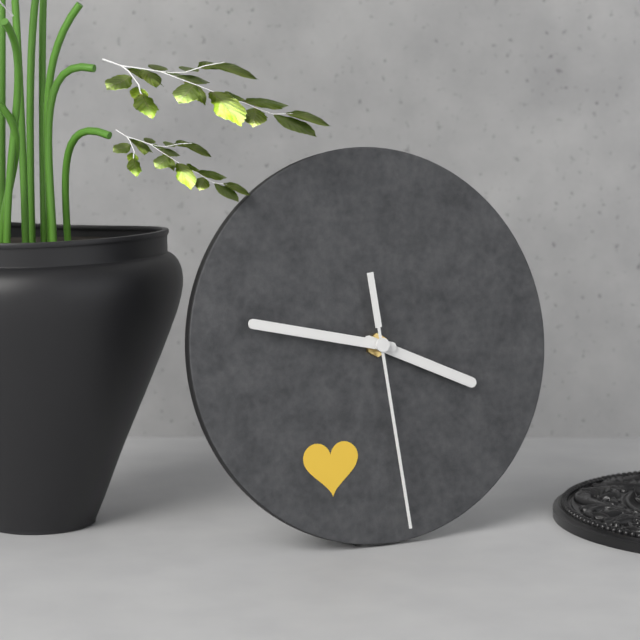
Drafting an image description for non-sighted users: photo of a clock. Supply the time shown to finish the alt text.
3:47:29
